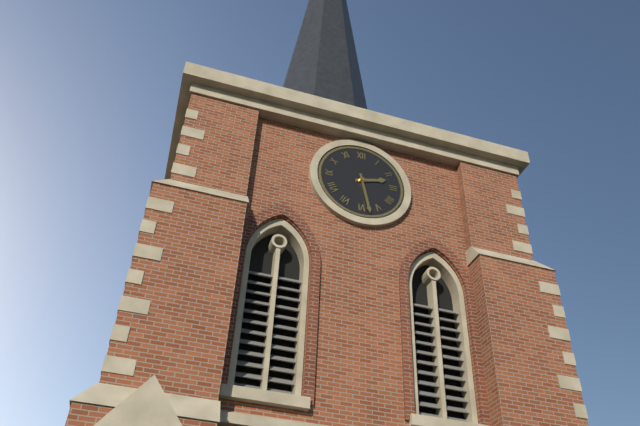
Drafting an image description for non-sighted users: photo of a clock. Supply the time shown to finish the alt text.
2:28
